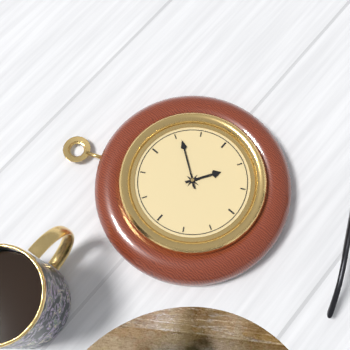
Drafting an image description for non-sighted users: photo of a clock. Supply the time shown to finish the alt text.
4:06
